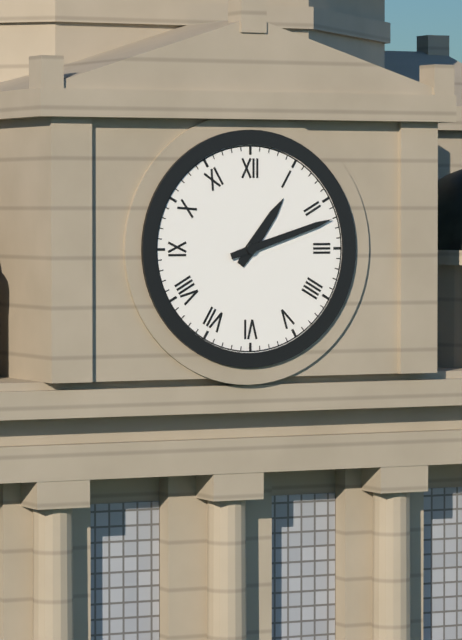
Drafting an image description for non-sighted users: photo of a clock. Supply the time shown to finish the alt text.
1:12
